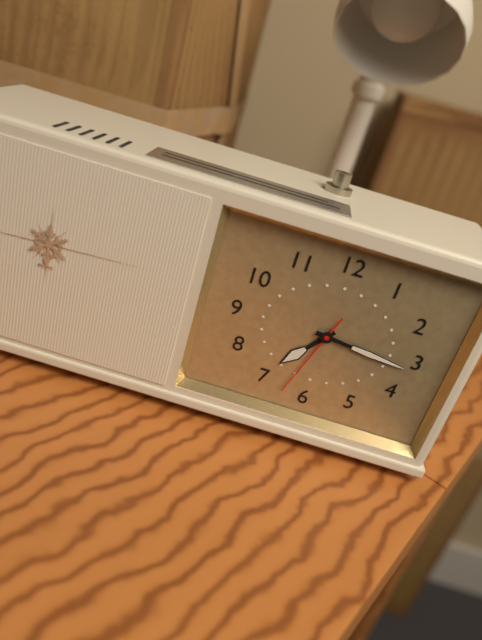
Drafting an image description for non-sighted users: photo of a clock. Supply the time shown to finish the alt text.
7:16:33
